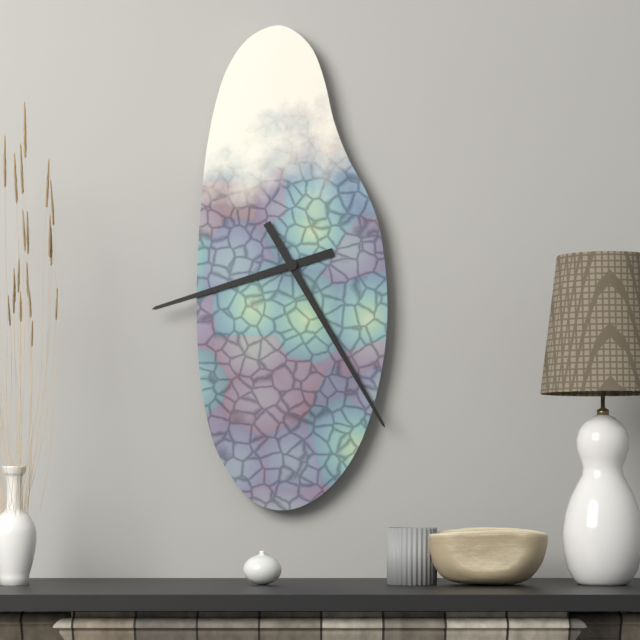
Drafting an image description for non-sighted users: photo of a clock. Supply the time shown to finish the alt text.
8:25
